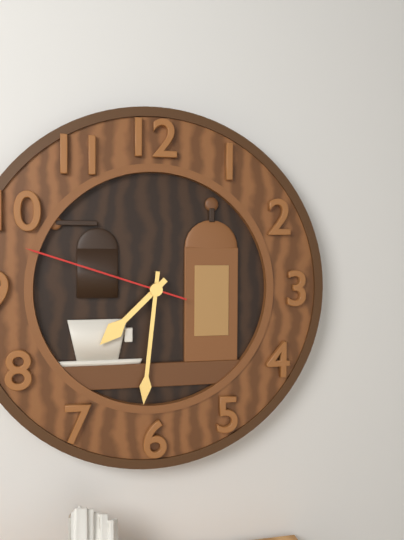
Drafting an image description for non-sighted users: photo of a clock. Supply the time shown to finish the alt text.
7:31:48
